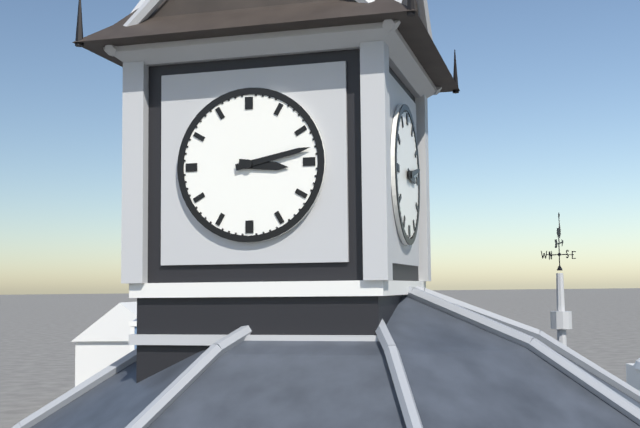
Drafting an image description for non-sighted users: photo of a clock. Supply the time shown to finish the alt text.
3:13
